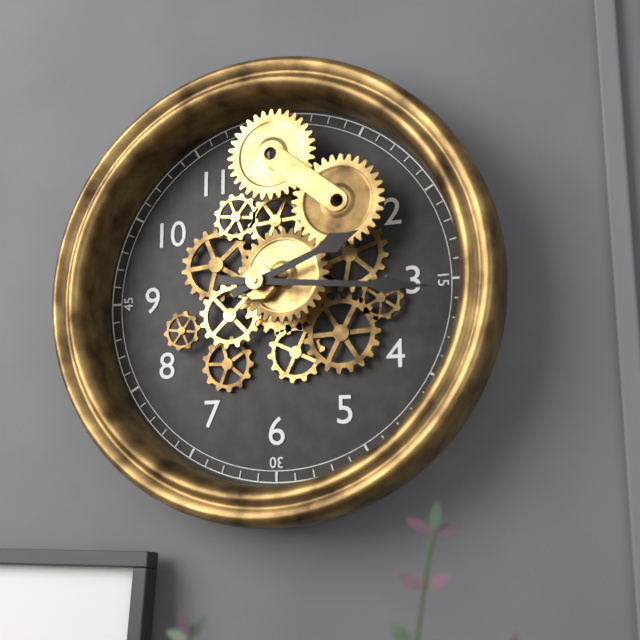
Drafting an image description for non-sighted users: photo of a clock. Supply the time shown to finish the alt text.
2:16
